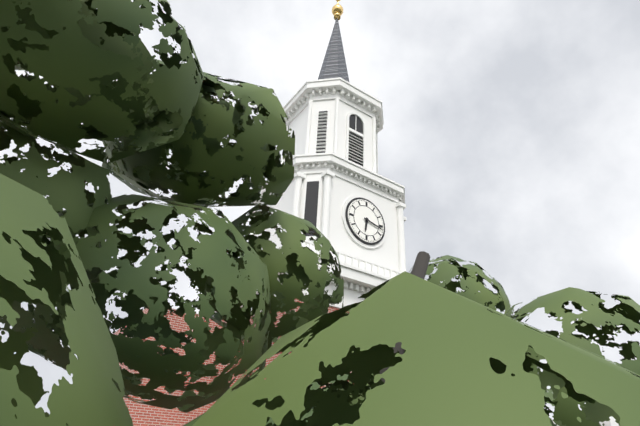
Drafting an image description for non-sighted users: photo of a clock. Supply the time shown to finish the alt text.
6:17
